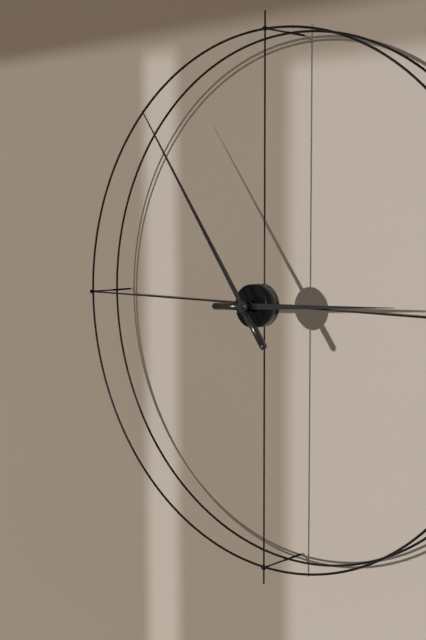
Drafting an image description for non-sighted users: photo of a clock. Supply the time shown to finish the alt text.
2:54
